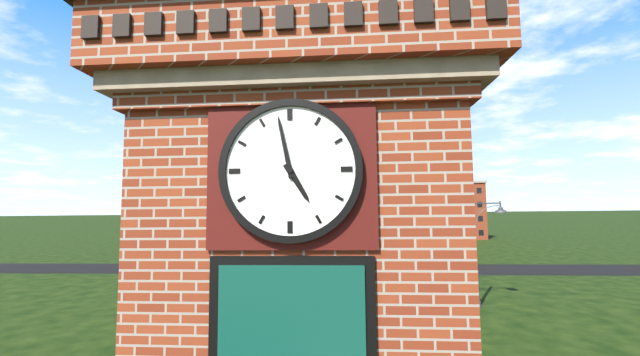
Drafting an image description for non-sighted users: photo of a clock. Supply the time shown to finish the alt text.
4:58
